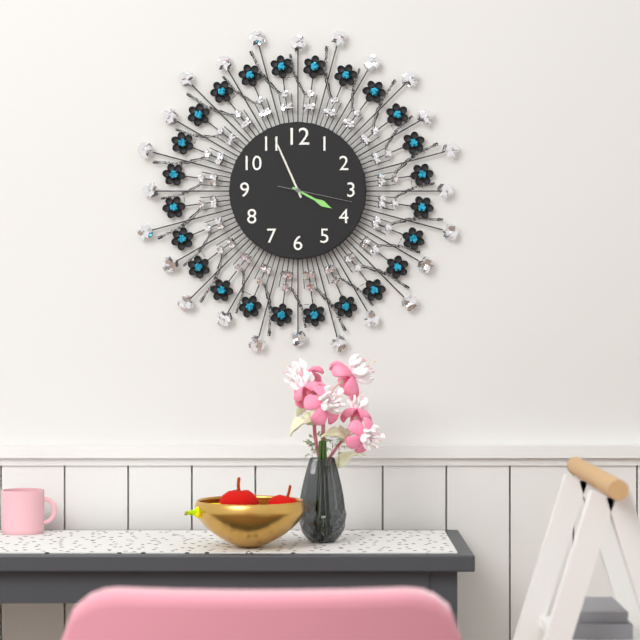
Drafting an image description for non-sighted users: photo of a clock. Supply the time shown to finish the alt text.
3:56:17
